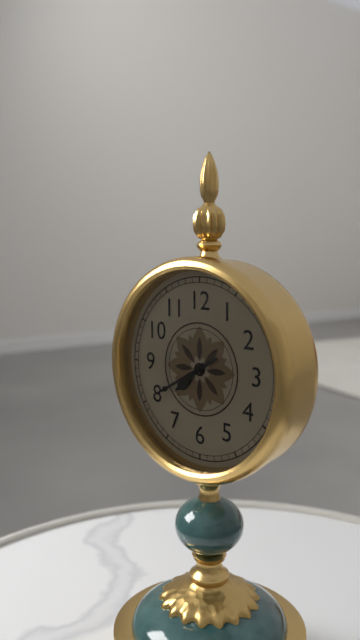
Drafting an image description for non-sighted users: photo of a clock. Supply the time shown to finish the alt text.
7:40
